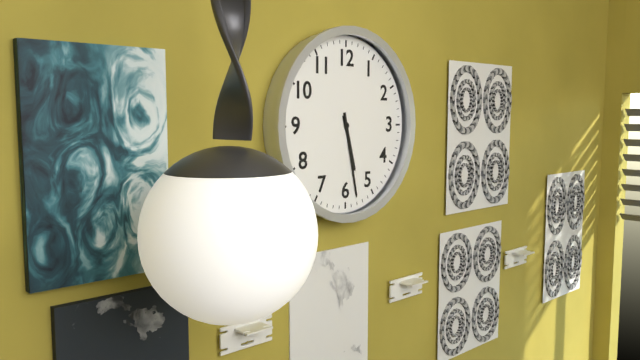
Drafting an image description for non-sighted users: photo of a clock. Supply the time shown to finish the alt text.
5:28
